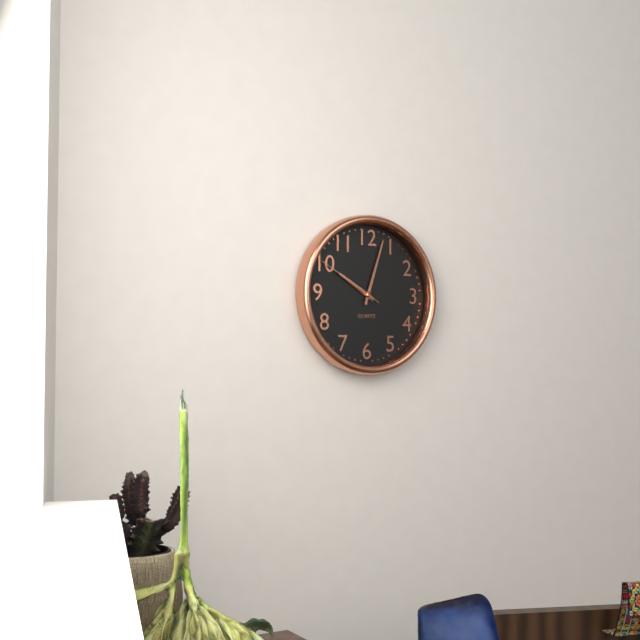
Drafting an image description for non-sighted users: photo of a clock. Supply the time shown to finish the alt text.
10:03:50
